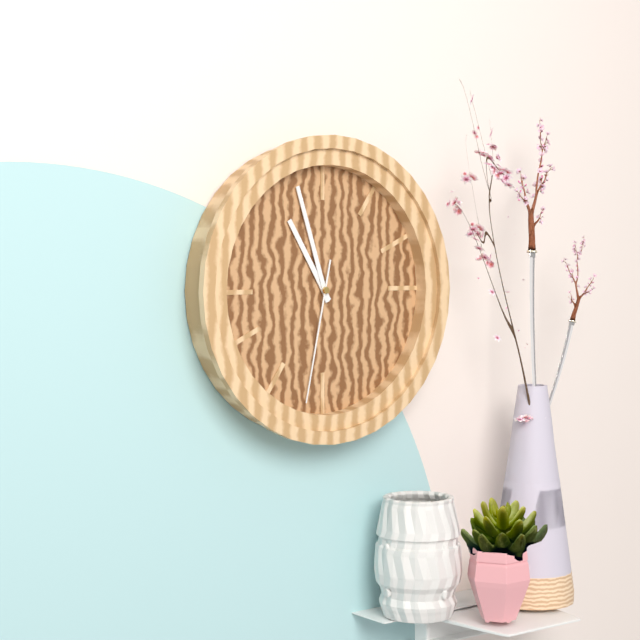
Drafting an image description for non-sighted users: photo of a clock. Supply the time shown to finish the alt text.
10:57:32
